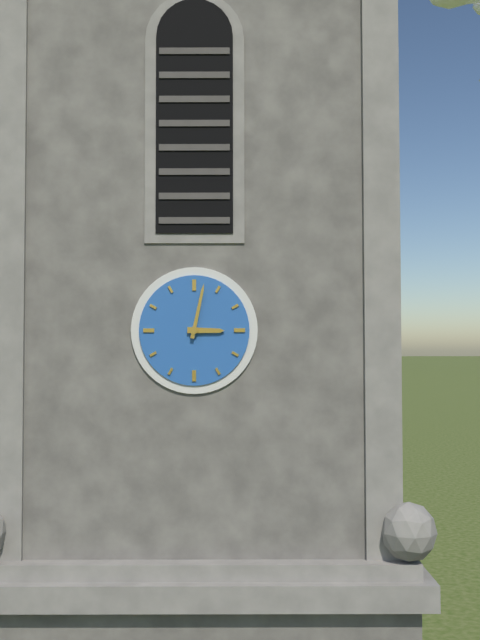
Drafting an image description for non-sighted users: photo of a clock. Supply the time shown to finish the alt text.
3:02
